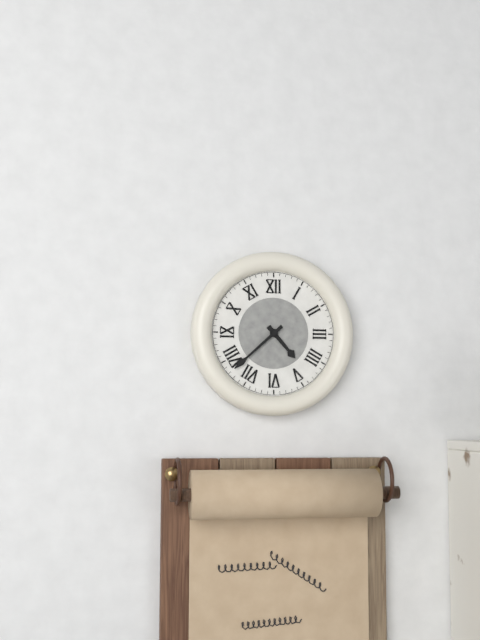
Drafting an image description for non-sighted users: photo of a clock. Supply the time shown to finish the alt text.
4:38
